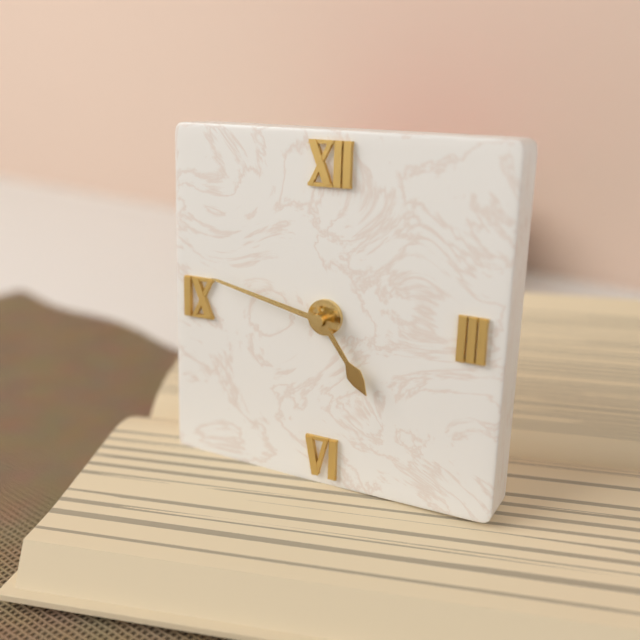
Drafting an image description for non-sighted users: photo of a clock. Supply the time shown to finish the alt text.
4:47
